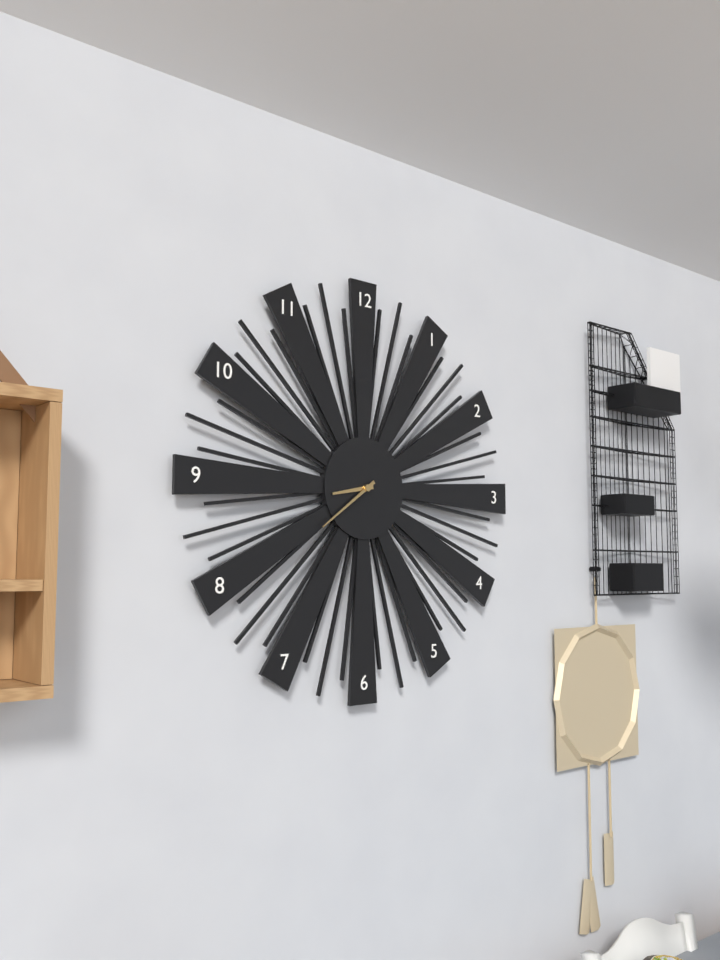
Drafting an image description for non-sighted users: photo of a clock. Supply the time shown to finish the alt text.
8:39
